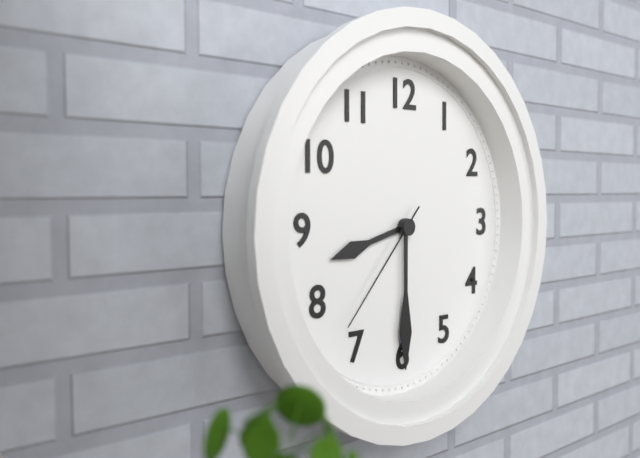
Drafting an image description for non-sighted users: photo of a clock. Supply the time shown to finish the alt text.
8:30:37
